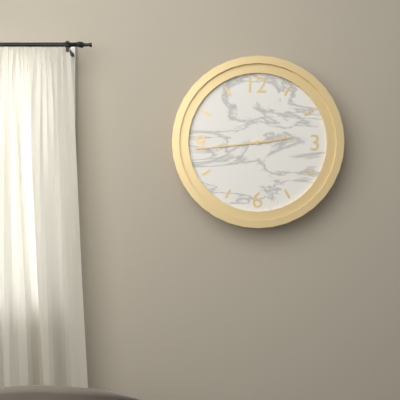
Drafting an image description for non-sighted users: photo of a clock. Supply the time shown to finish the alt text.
2:44
